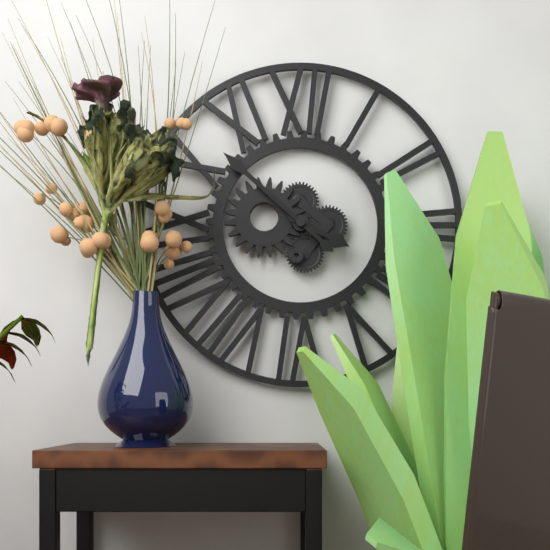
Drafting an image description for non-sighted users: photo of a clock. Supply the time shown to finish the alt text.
3:52
